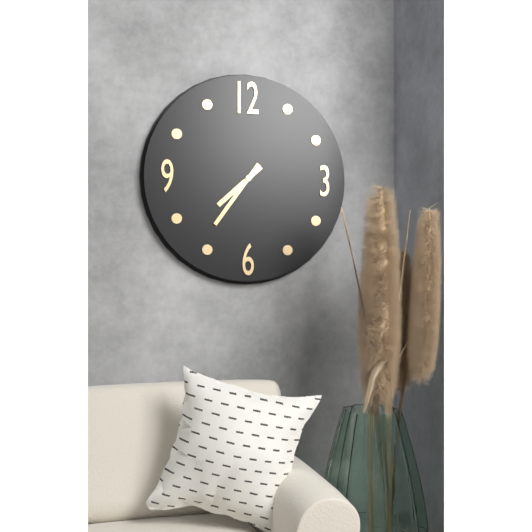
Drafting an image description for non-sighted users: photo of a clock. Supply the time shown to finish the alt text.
7:36
